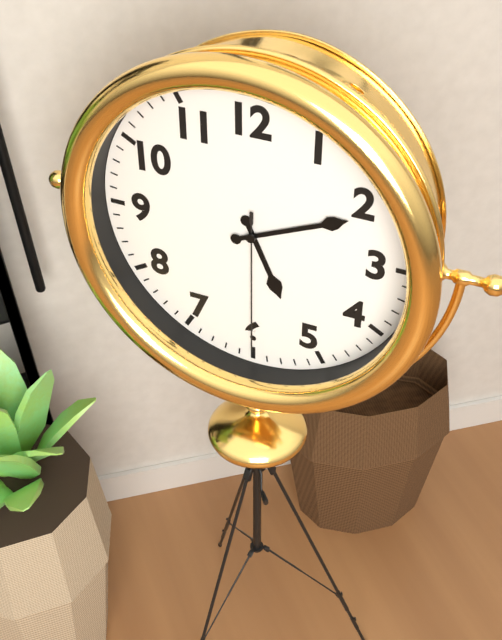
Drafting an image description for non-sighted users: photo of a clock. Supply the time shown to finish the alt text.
5:11:30
